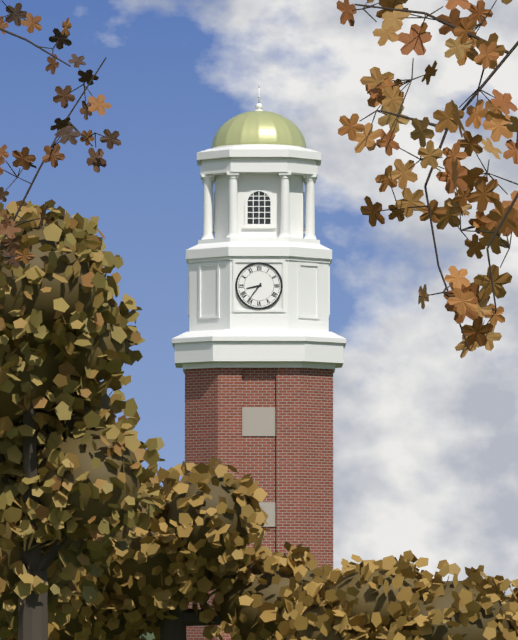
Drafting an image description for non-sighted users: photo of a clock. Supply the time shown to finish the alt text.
8:36
